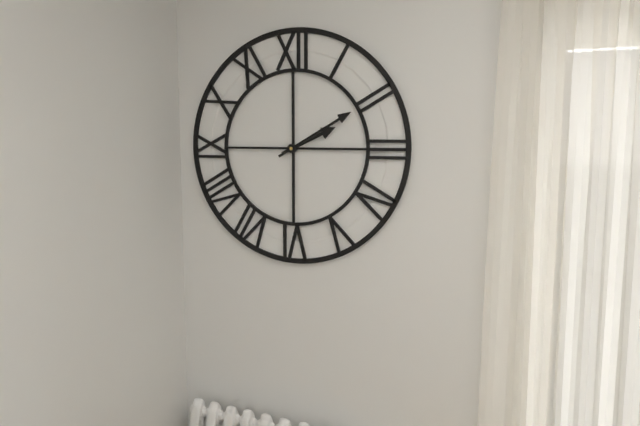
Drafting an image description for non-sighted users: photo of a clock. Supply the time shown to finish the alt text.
2:10
